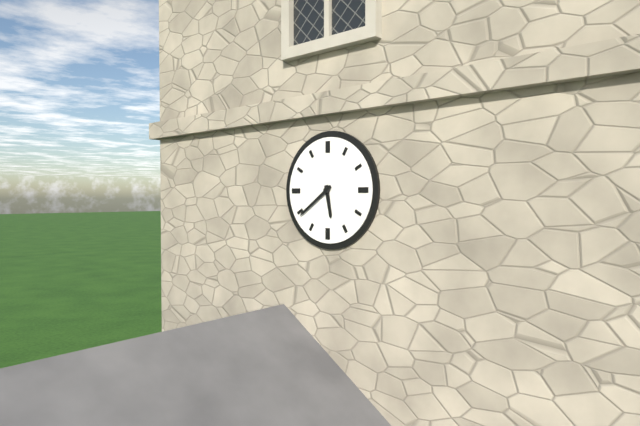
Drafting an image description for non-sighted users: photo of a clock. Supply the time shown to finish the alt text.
5:39
